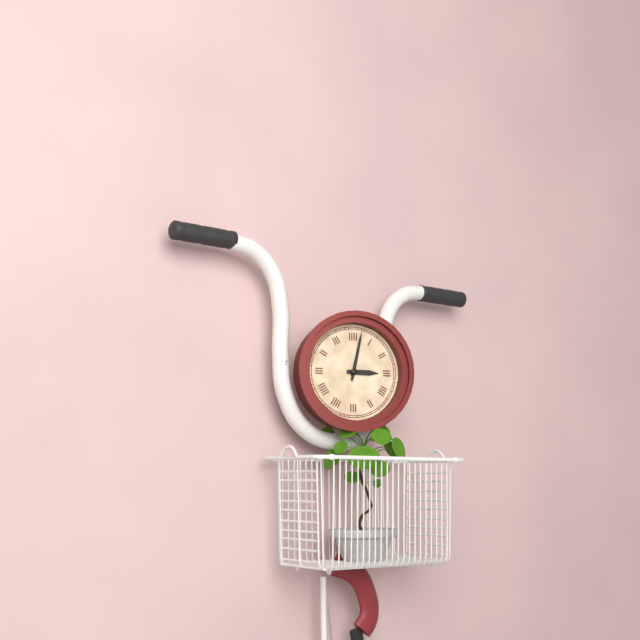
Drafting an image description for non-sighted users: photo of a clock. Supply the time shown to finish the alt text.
3:02
